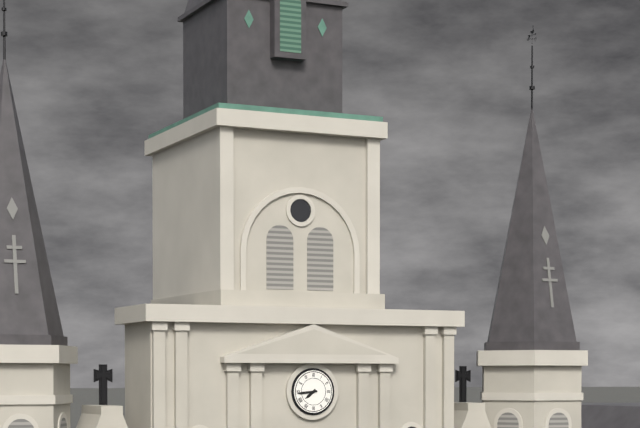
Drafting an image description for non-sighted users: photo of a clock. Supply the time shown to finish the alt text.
7:44
